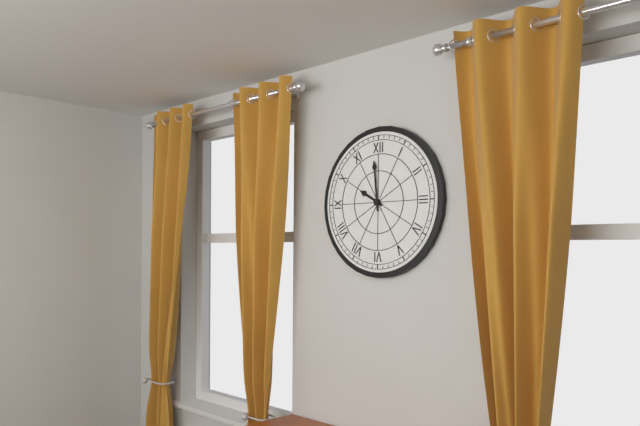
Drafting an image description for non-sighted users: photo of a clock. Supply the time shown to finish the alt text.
9:59
